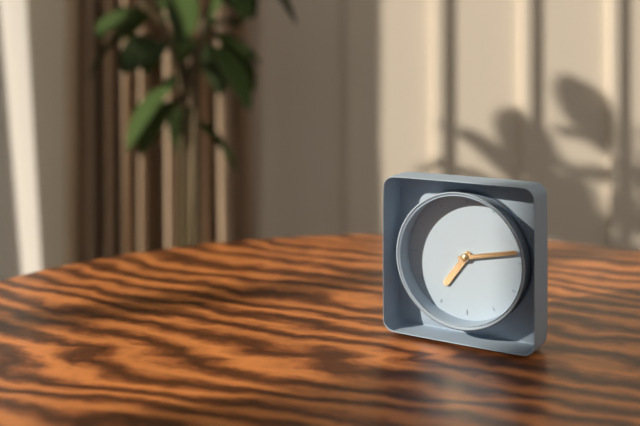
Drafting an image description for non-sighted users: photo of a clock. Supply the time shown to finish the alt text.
7:13
